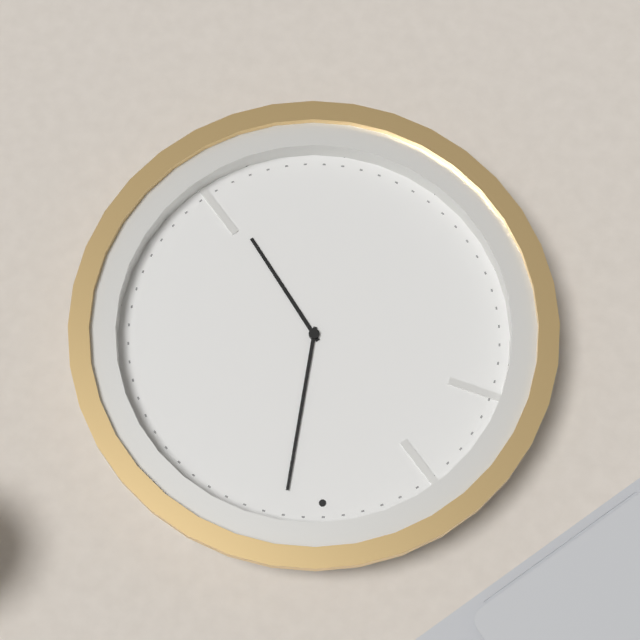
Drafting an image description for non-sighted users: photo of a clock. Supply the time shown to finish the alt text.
5:02
